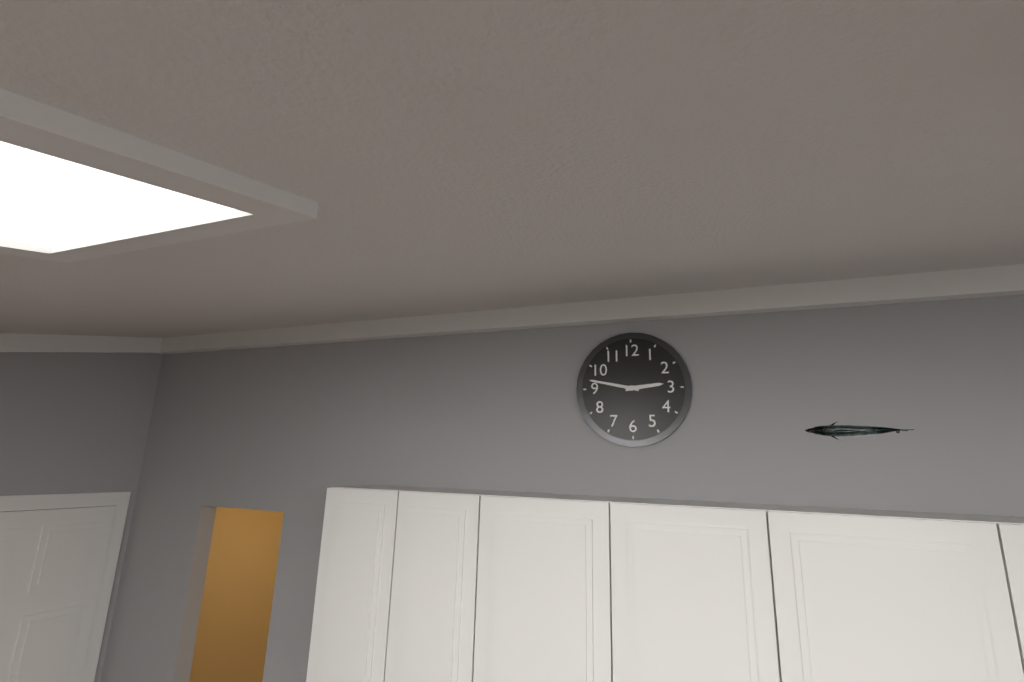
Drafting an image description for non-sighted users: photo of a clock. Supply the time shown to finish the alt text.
2:47
